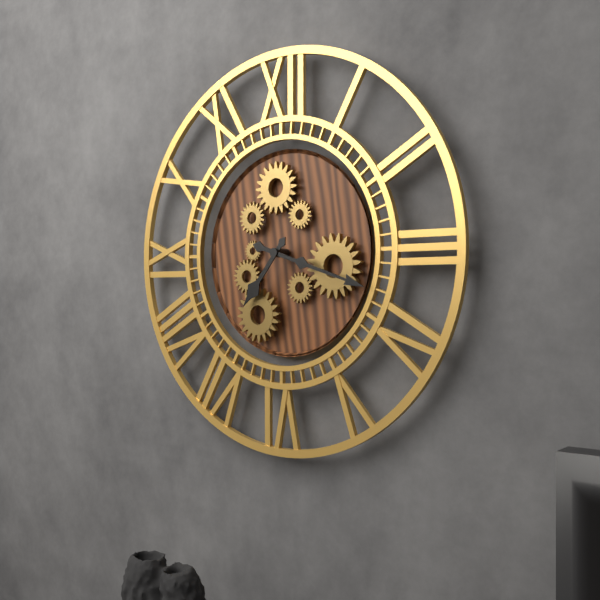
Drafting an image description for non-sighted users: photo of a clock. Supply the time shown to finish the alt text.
7:18
